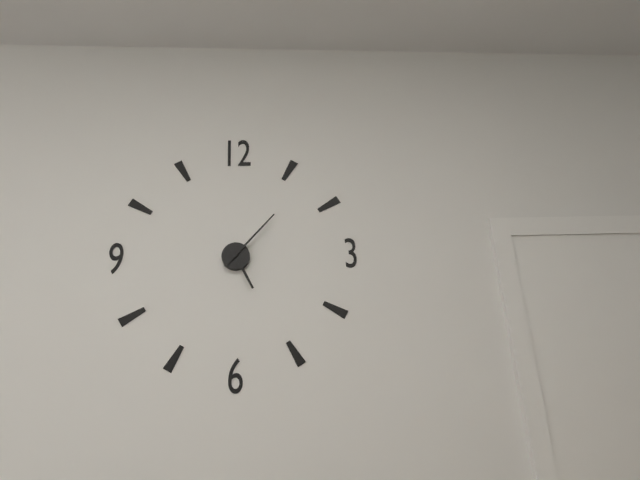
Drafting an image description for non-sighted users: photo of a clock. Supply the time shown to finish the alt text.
5:07
